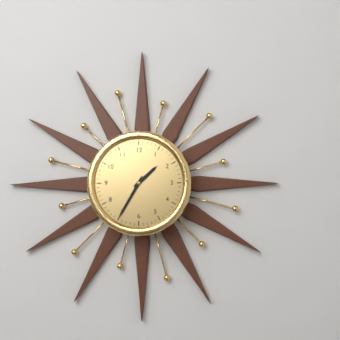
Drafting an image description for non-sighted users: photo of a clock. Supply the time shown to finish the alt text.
1:35
